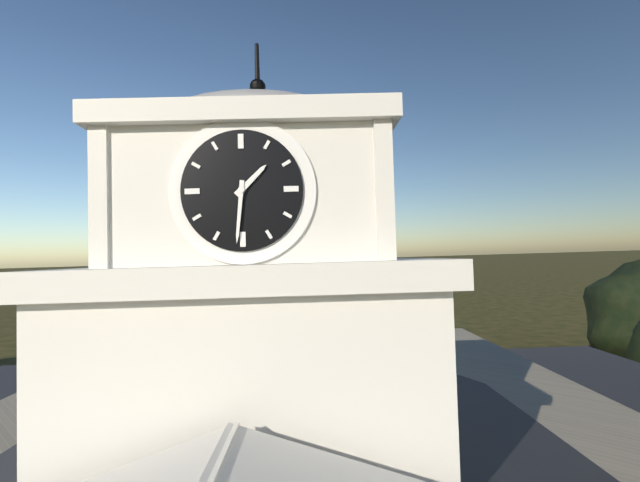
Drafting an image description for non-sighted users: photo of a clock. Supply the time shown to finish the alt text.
1:31
